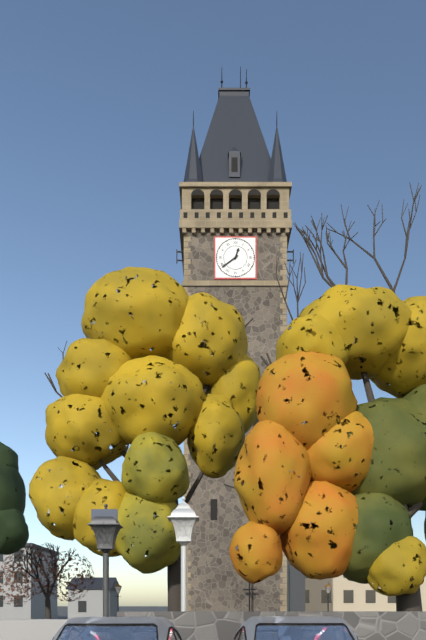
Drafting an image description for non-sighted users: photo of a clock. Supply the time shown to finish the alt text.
12:39
